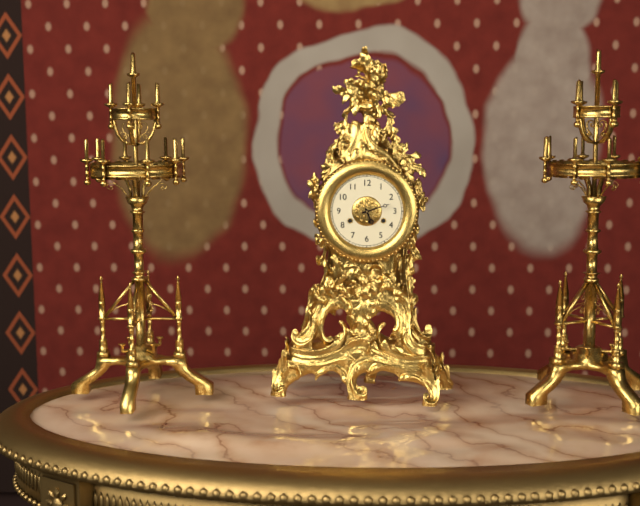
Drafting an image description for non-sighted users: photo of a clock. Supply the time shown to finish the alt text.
5:12
